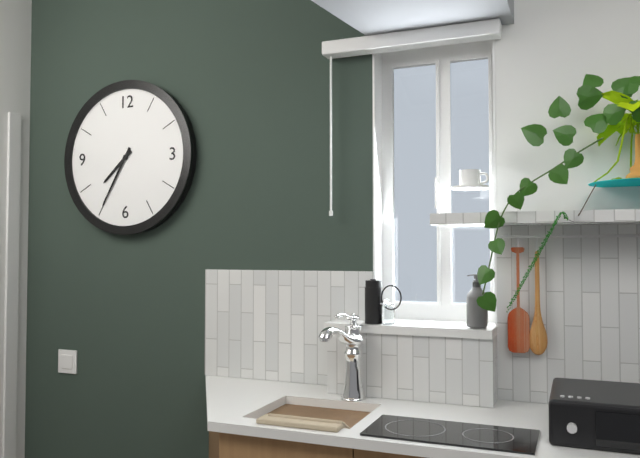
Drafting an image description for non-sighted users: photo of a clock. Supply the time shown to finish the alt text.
7:35
